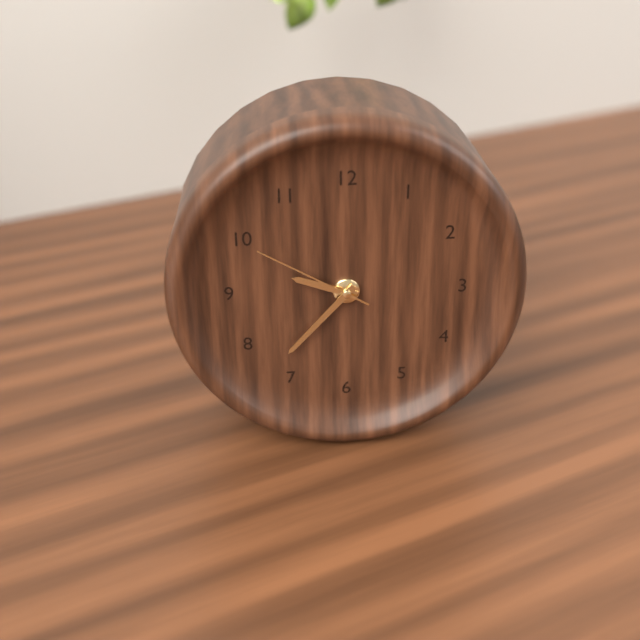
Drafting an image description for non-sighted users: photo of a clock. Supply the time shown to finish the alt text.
9:37:50
